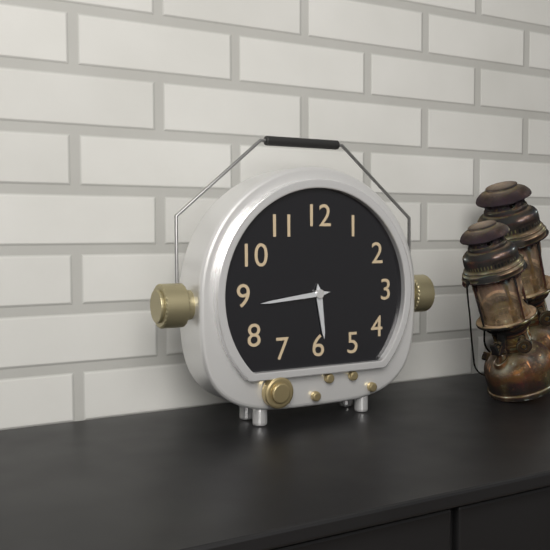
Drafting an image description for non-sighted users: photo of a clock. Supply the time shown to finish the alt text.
5:44
